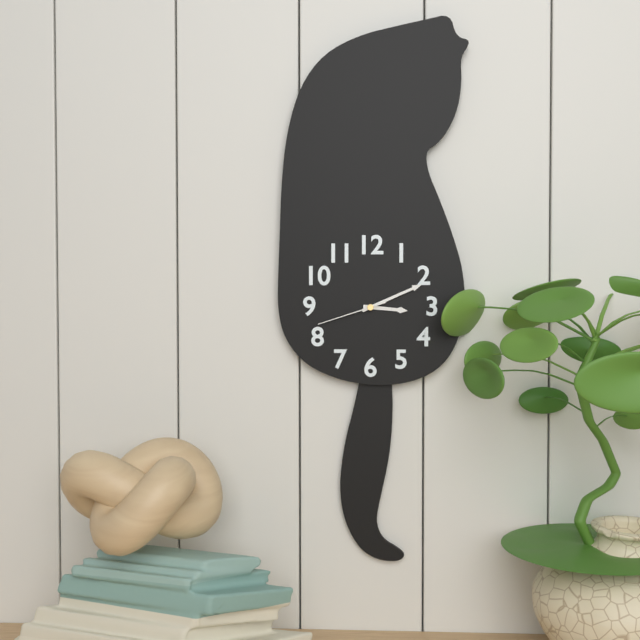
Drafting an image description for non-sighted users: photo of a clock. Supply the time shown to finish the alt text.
3:11:42
